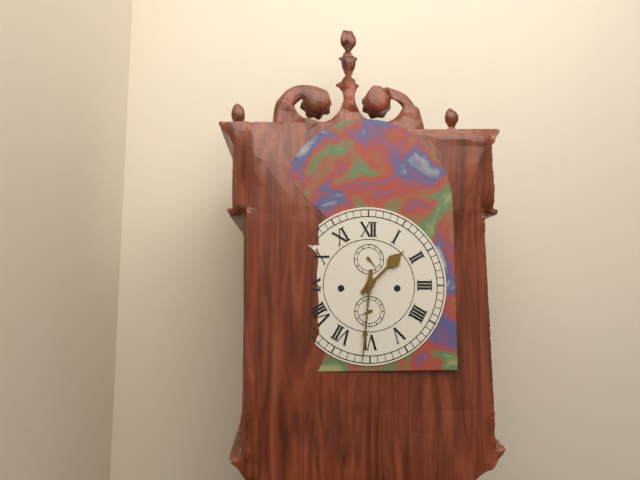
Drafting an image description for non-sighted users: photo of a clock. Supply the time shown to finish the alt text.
1:31
